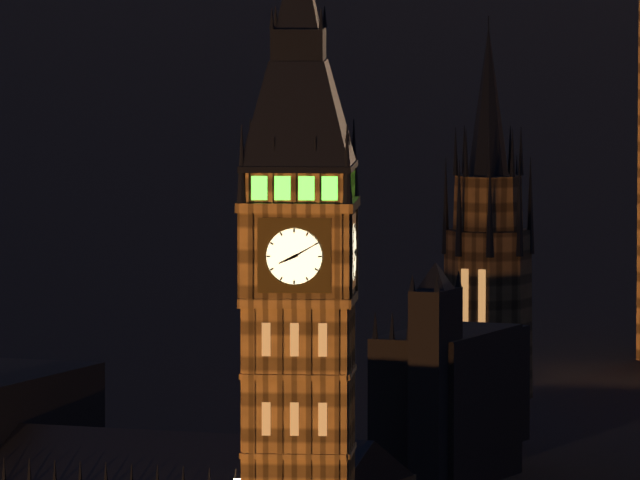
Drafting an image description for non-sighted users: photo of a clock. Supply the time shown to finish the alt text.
8:10
